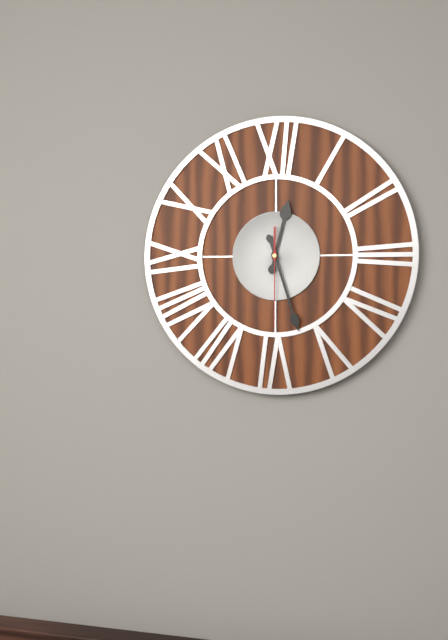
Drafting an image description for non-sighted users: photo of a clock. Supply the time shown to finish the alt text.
12:27:30
